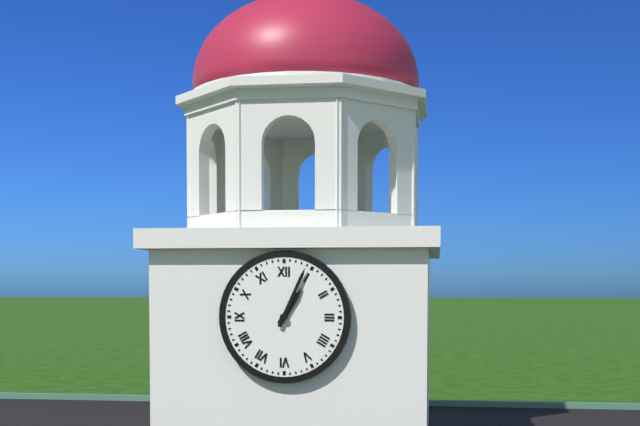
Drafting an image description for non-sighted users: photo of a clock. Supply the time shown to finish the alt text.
1:04
